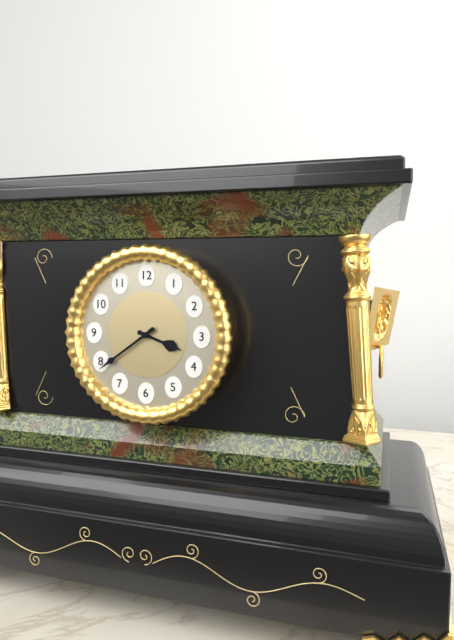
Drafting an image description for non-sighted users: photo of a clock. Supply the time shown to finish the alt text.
3:39
